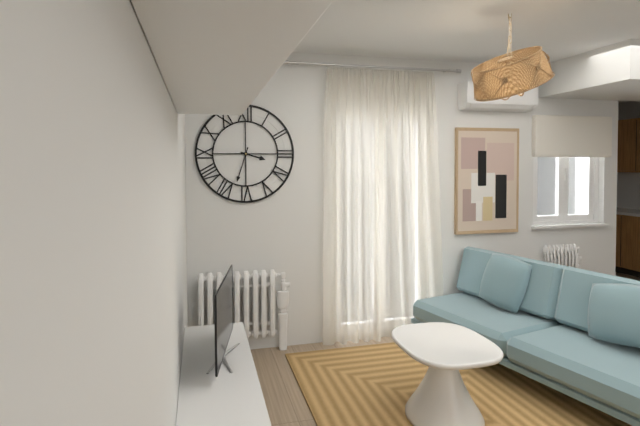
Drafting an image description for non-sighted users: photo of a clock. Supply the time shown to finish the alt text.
3:33
